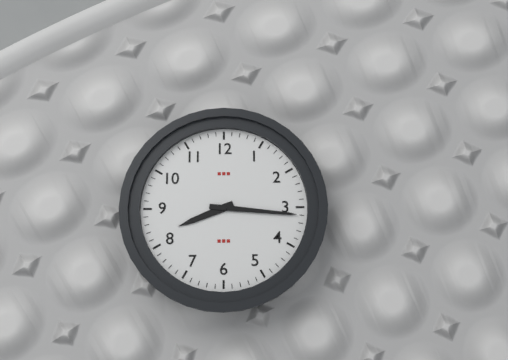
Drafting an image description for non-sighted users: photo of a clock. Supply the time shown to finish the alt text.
8:16
